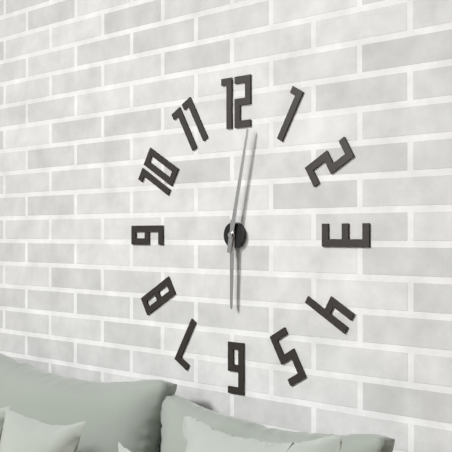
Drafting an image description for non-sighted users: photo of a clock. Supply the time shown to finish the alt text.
6:02
